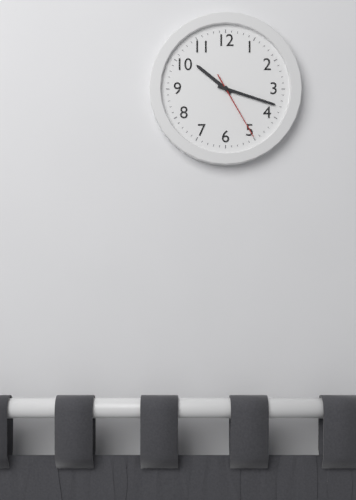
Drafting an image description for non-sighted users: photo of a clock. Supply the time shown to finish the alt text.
10:18:25
